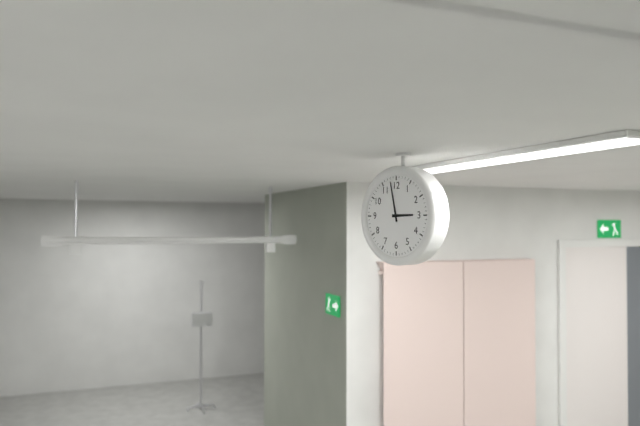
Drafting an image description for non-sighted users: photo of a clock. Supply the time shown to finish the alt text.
2:58
